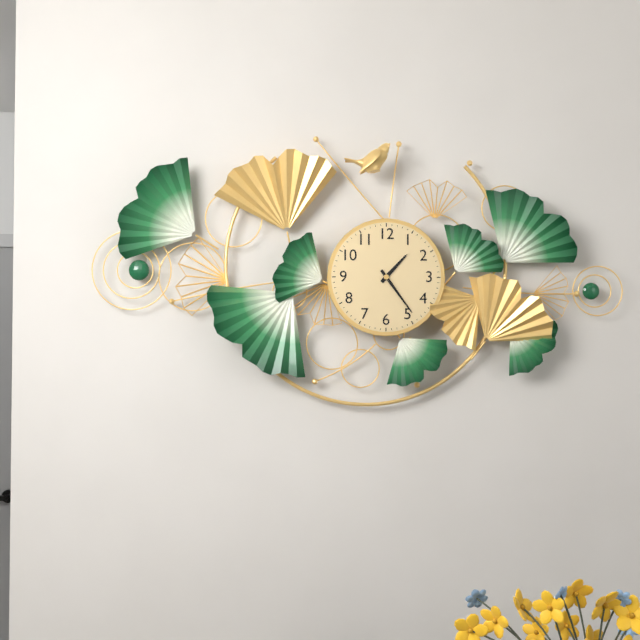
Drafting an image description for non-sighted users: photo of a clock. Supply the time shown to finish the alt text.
1:24
